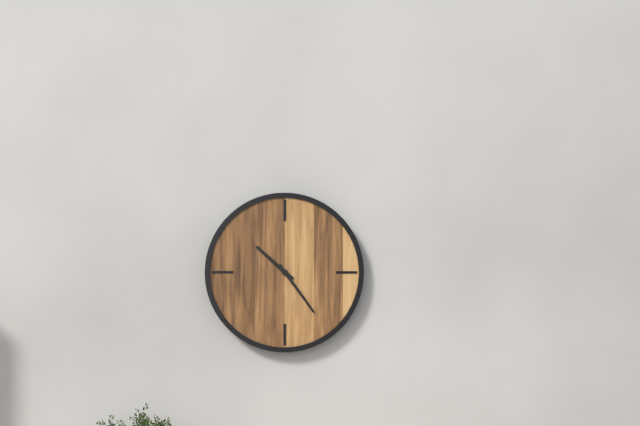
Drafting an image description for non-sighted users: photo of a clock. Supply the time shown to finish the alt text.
10:24
